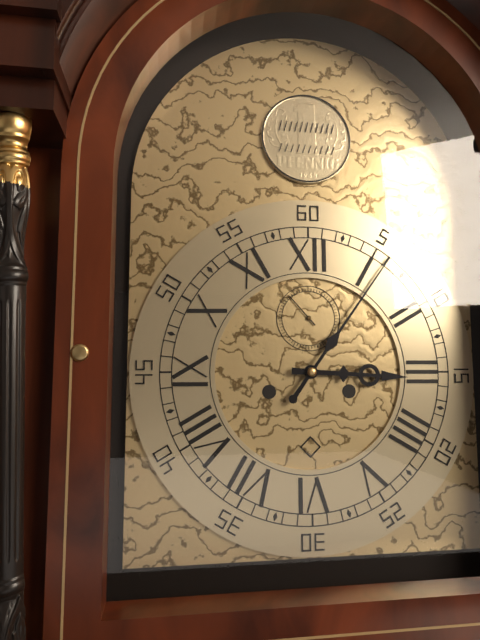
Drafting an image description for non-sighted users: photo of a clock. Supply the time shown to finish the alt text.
3:06
